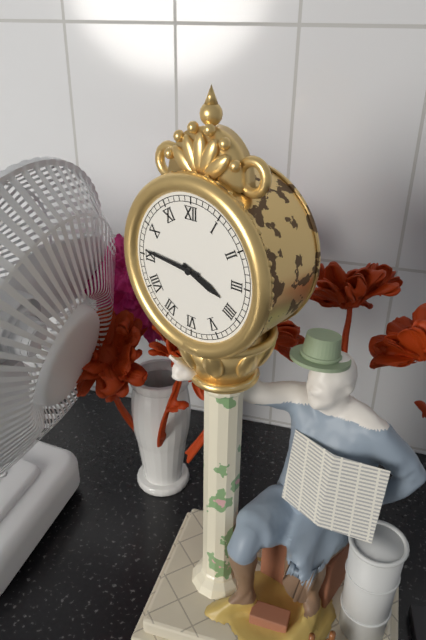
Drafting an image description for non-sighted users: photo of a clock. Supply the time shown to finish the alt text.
3:46
